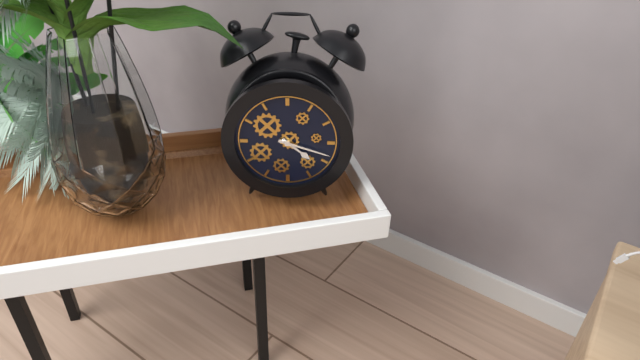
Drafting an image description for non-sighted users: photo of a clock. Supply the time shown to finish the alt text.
4:18
